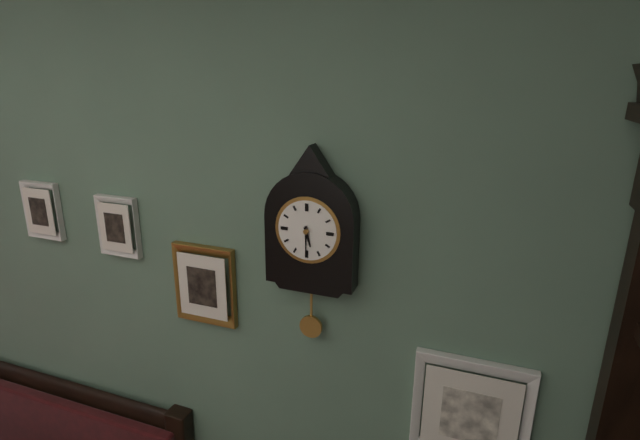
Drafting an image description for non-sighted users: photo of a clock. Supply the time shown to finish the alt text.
5:30
